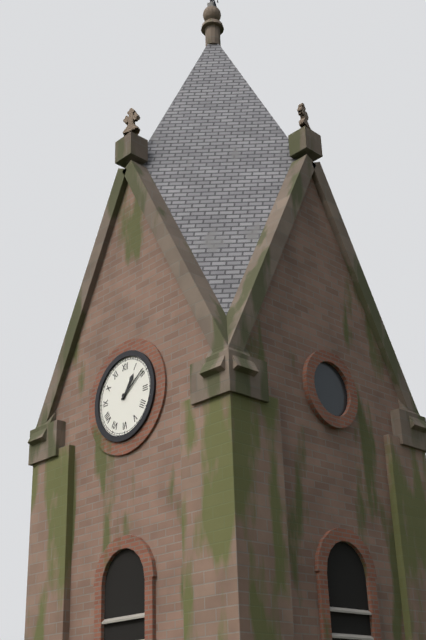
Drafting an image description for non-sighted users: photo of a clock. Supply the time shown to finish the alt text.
1:09
